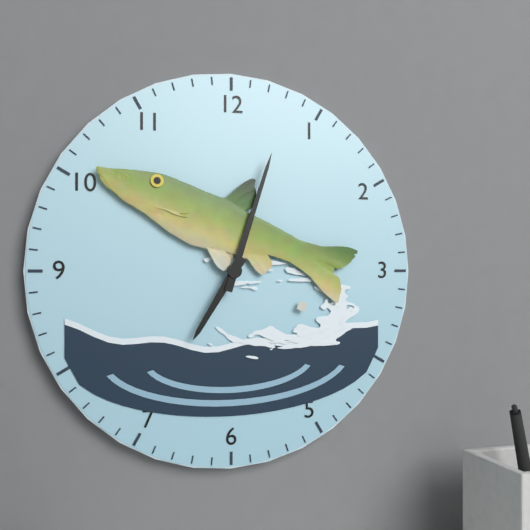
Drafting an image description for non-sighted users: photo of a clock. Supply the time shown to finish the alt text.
7:03
